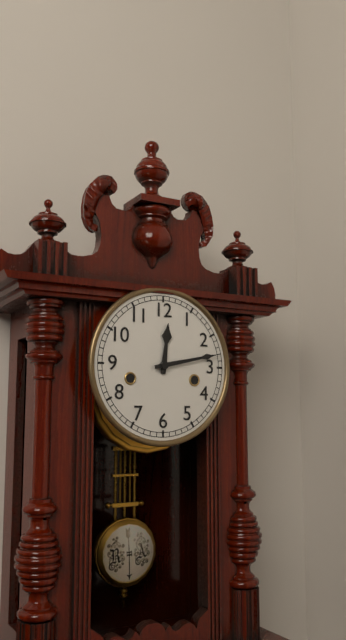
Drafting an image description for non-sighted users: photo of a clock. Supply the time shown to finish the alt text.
12:13
